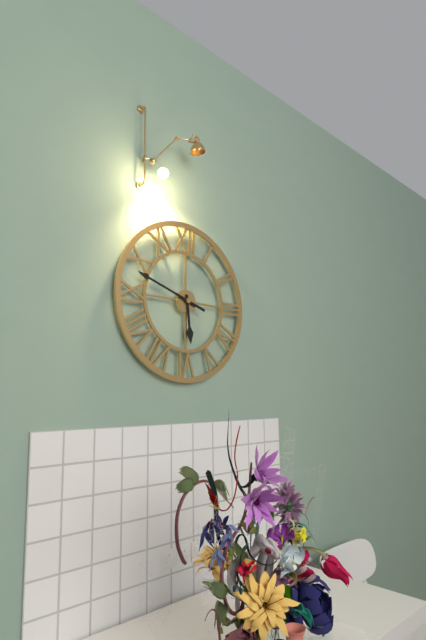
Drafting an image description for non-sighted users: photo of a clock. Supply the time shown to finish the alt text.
5:48
